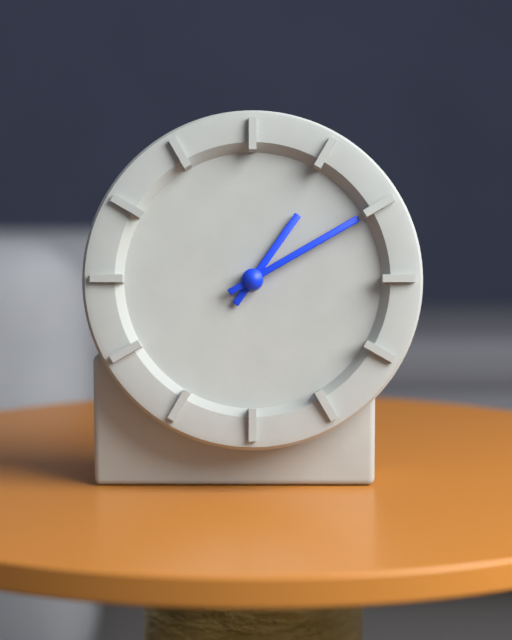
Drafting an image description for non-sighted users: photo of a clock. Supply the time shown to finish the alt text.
1:10
